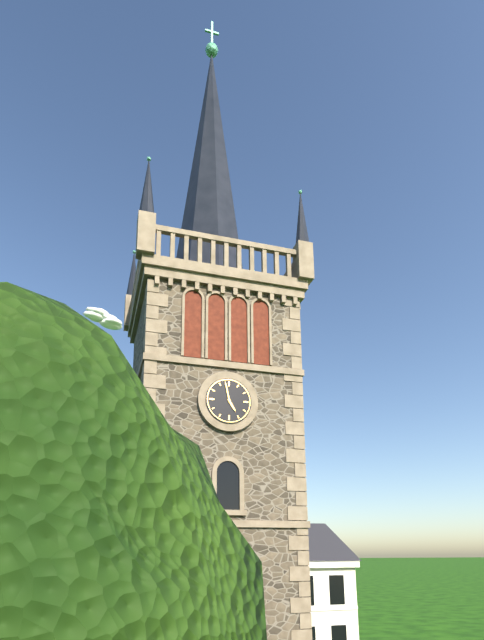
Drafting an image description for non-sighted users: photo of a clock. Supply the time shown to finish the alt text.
4:58
